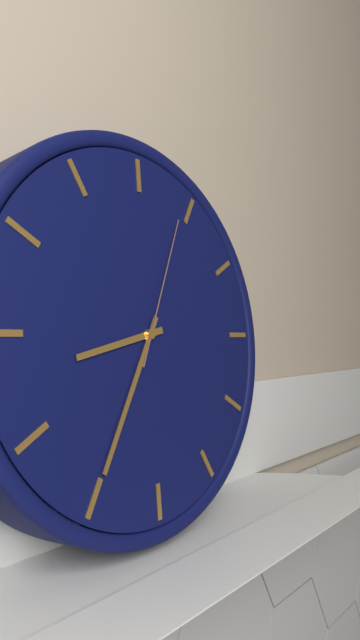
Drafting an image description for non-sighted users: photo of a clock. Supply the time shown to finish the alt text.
8:35:04
